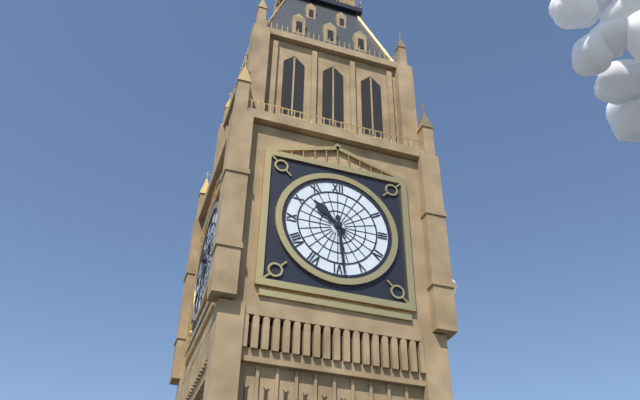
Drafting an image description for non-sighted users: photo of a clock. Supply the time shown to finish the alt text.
10:29
